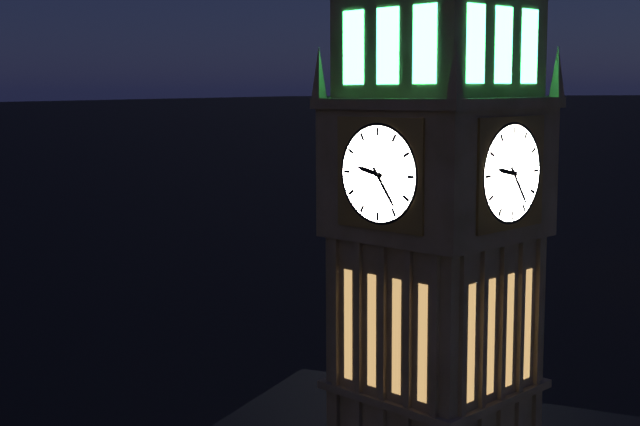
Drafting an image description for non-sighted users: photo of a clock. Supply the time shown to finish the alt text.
9:24
